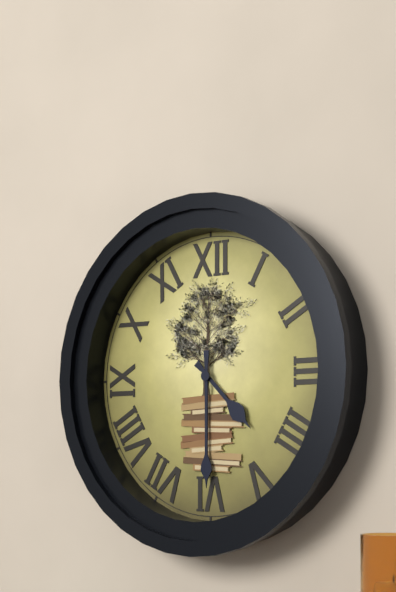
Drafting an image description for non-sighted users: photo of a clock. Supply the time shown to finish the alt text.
4:30
